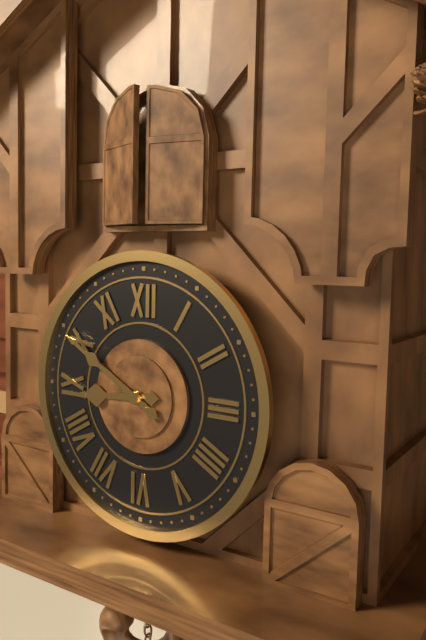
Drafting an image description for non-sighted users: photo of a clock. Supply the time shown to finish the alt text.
8:50
